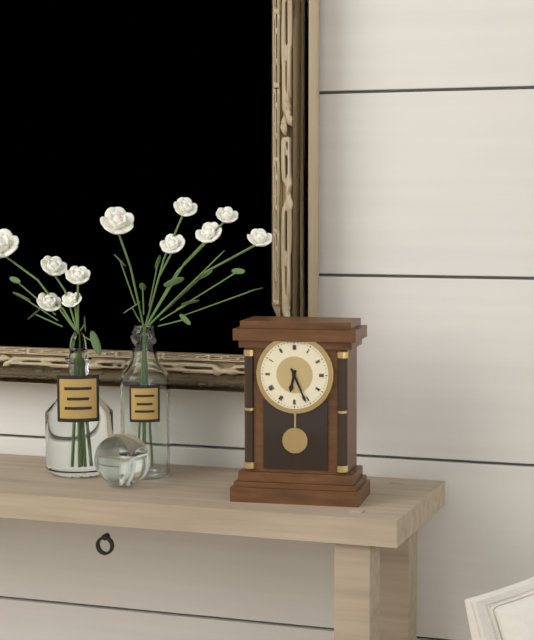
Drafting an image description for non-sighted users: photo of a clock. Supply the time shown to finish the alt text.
6:26
